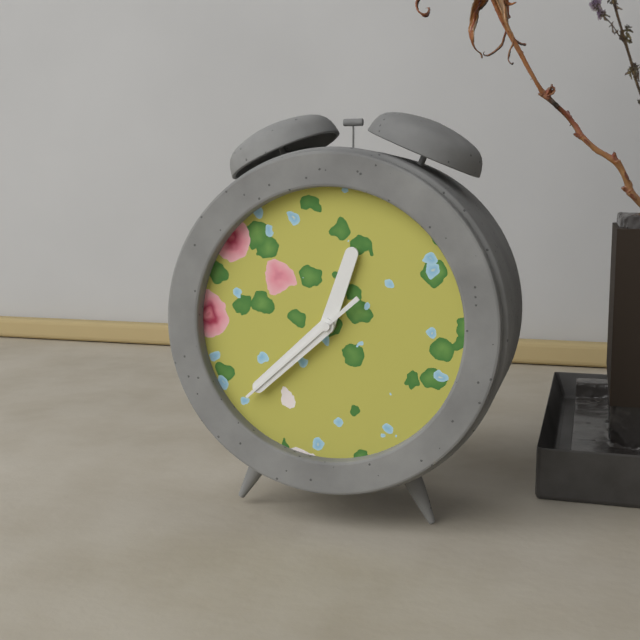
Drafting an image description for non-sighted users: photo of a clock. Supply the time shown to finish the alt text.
12:38:38
